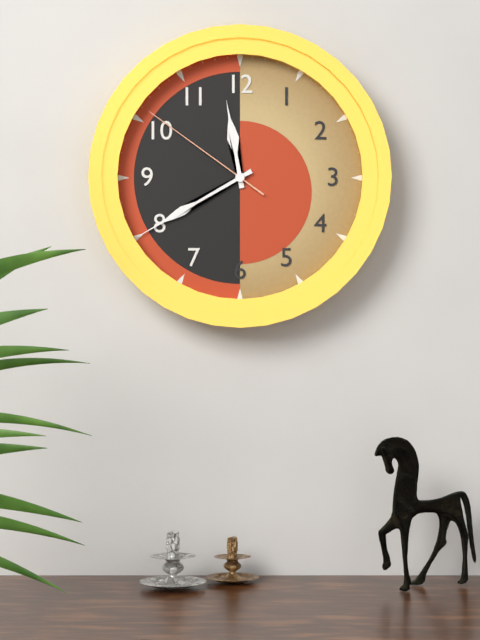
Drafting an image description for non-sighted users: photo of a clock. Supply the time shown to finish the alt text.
11:40:51
